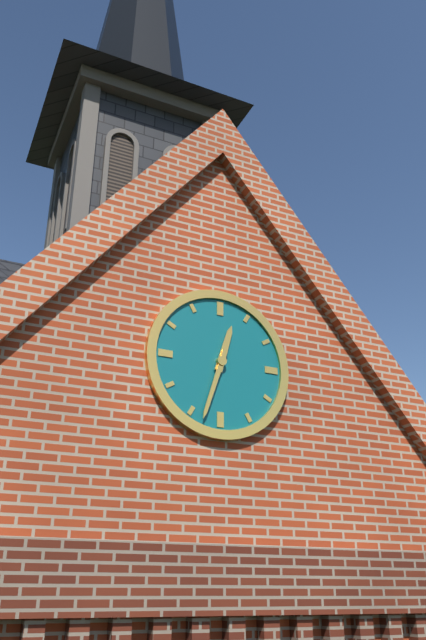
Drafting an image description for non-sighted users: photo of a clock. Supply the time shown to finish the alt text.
12:33
